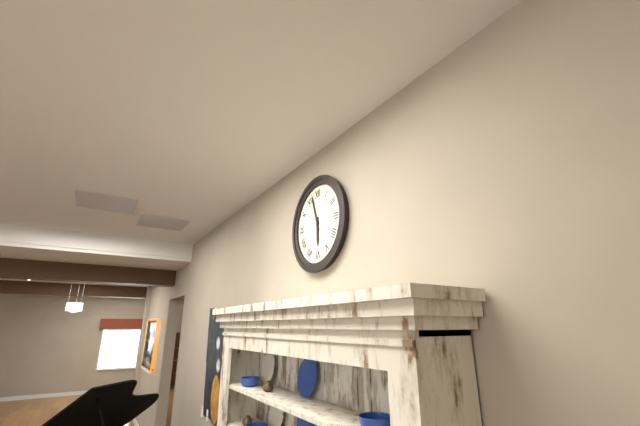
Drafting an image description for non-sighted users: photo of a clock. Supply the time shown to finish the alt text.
5:57
